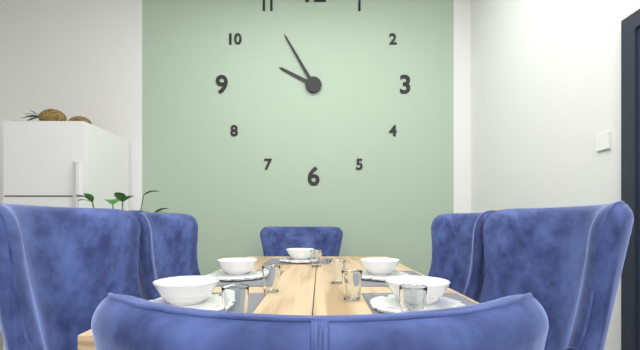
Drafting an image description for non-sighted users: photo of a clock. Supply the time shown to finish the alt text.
9:55
